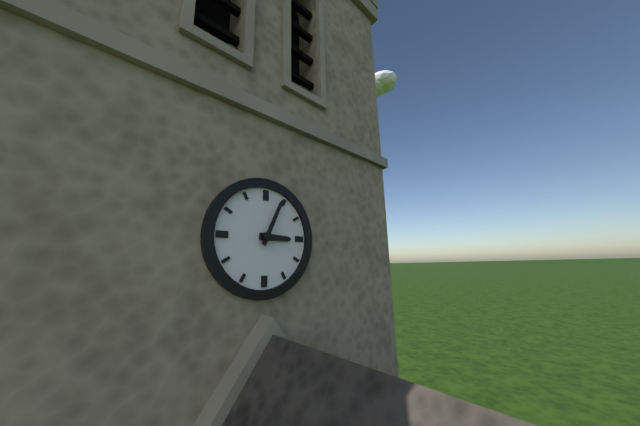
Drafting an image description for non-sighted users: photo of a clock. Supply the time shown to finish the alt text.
3:04
